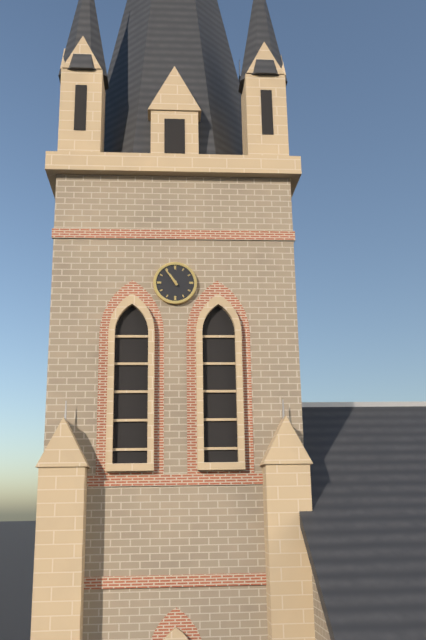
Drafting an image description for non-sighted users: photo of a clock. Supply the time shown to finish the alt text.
10:54
